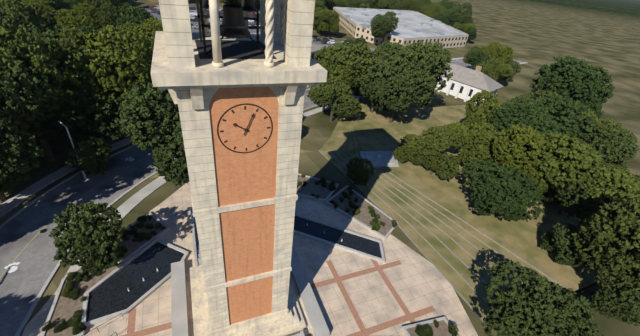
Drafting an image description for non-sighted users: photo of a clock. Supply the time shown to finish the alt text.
10:04
